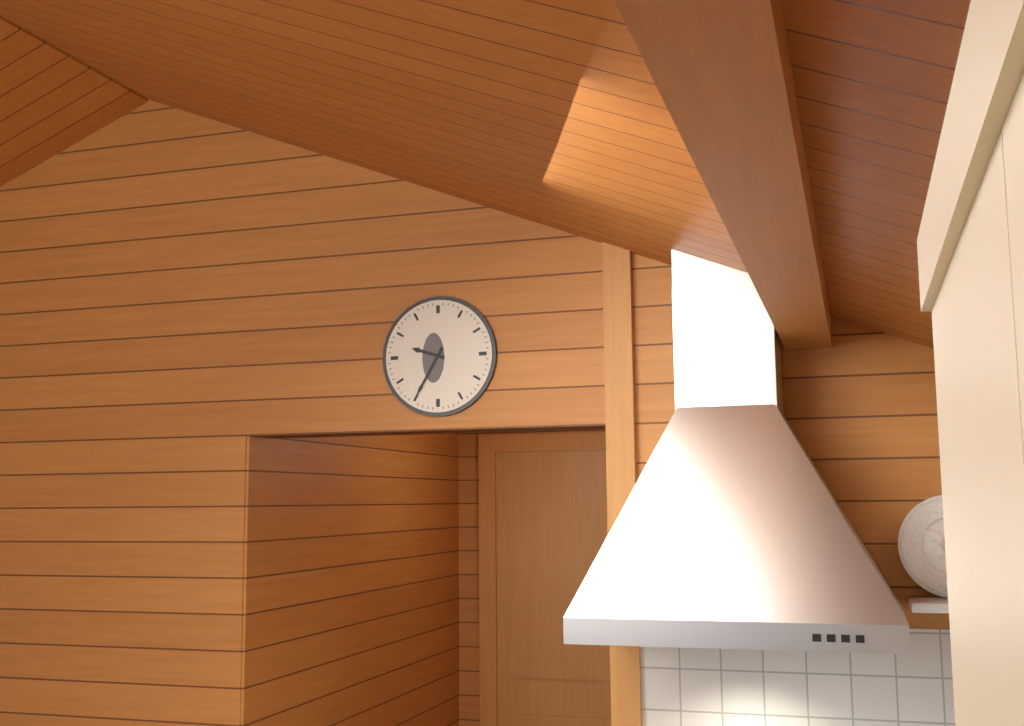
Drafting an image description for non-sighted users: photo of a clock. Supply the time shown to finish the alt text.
9:35
